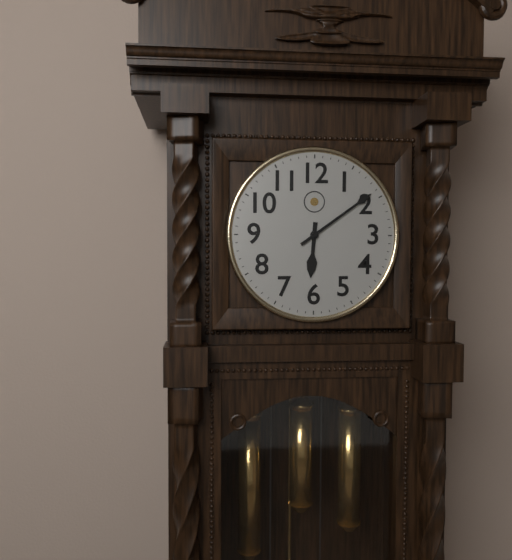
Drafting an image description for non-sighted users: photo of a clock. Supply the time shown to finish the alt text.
6:09
